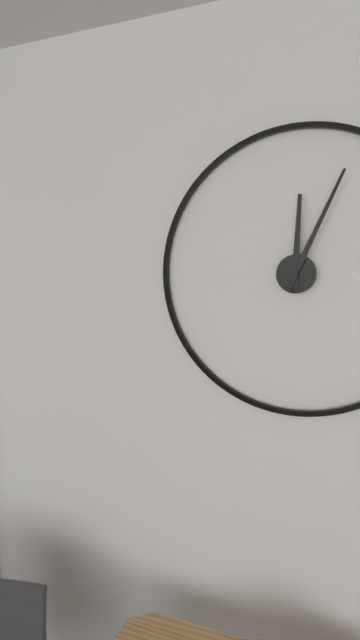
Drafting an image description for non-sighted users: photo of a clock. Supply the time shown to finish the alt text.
12:04
